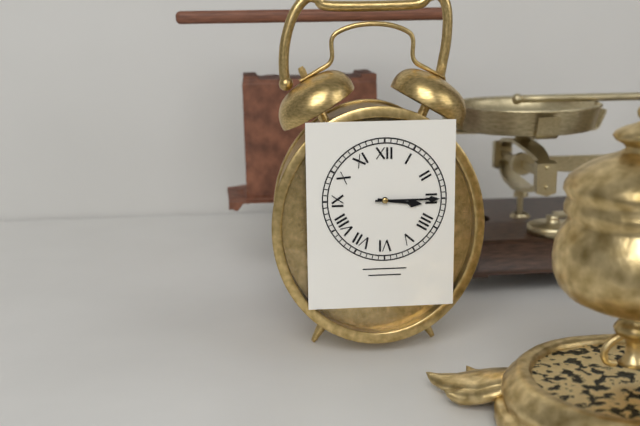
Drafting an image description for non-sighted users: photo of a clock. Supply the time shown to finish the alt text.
3:15
